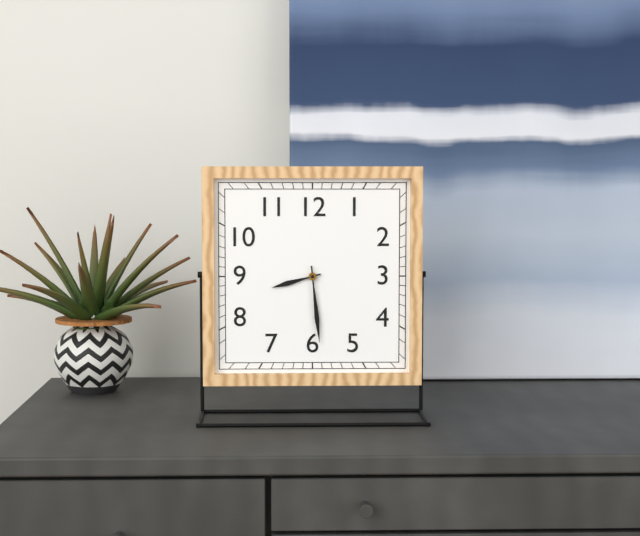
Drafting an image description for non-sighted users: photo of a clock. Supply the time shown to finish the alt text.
8:29
